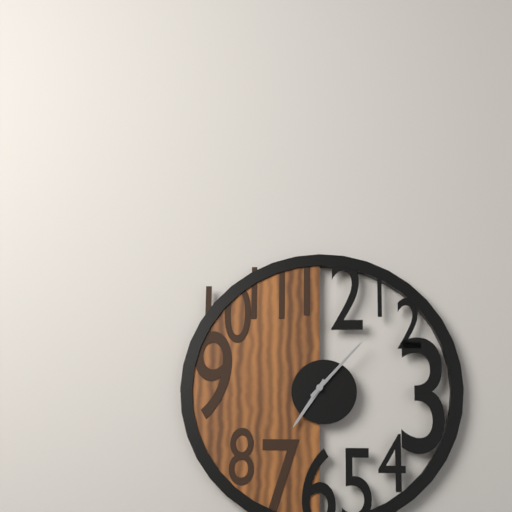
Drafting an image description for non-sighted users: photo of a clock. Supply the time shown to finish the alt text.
7:07
